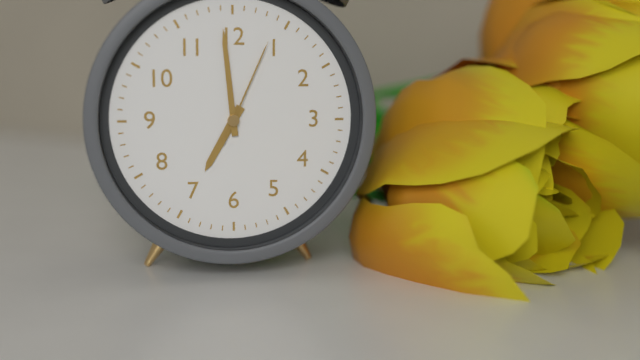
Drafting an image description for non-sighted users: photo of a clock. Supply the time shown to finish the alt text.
6:59:04
